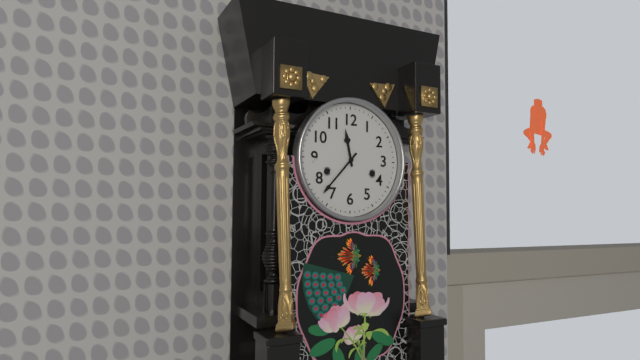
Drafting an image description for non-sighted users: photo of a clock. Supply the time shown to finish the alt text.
11:37
